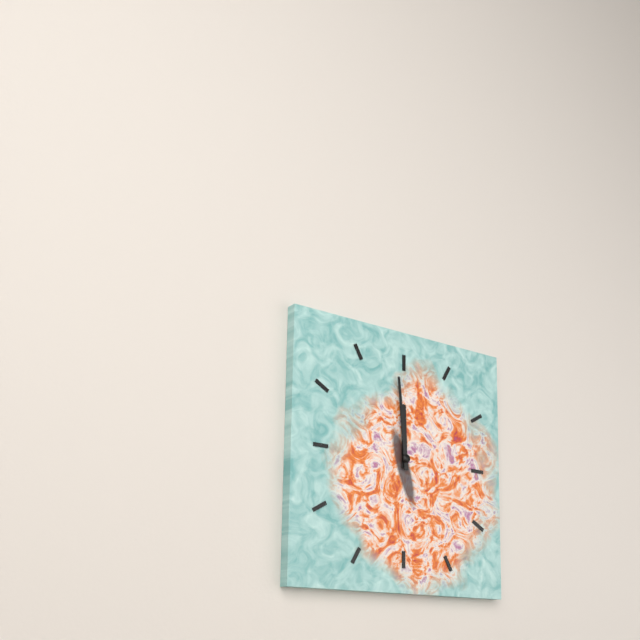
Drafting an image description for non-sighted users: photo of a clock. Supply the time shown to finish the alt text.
11:59
